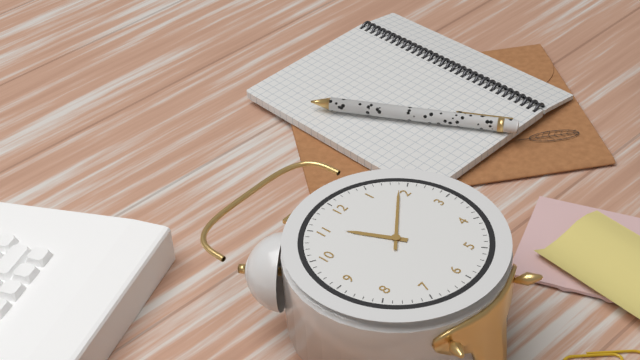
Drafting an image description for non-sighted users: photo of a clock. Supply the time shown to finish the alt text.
11:09
